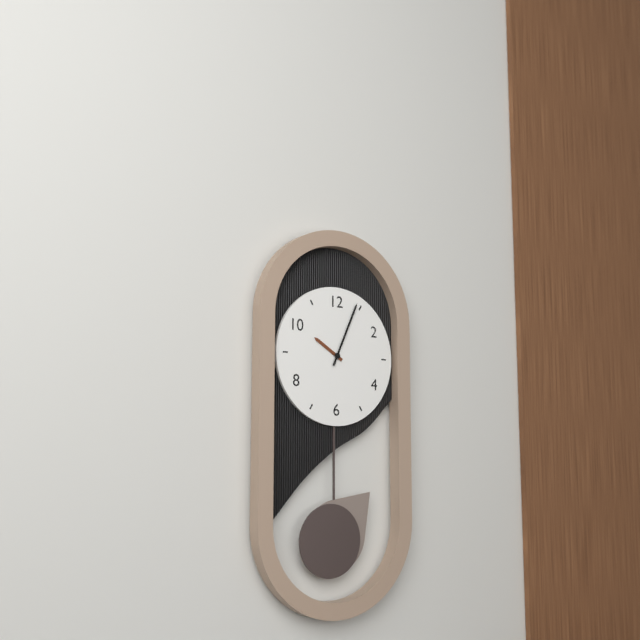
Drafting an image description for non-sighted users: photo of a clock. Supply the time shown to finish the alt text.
10:04
